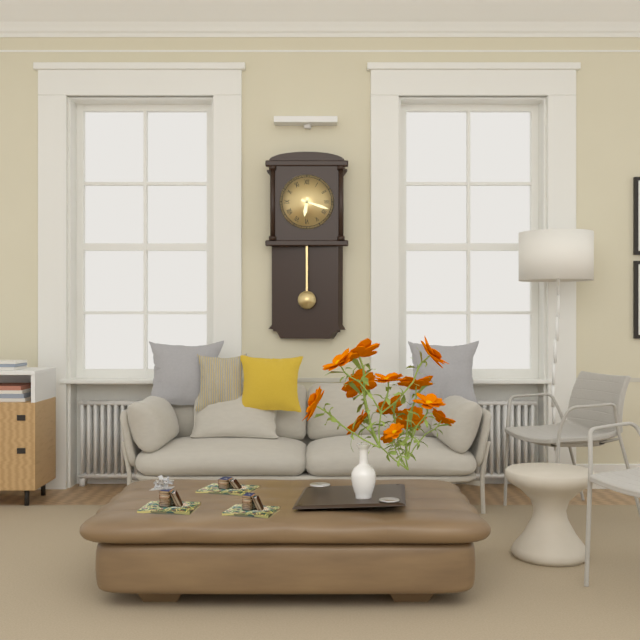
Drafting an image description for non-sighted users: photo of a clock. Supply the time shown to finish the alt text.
6:18
